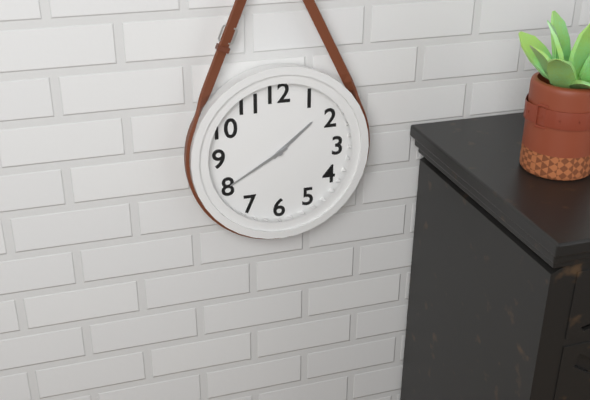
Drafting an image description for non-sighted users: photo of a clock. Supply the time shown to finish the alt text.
1:40
